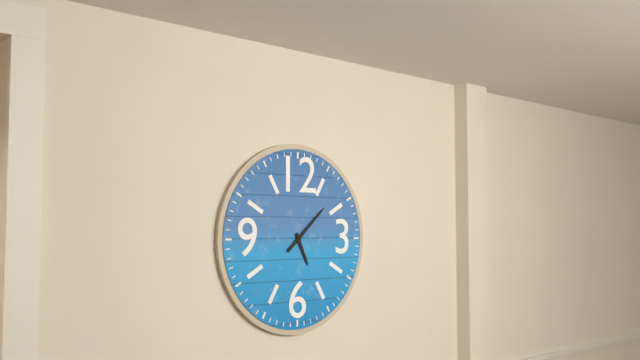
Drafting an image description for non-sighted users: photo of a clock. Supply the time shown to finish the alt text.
5:08
